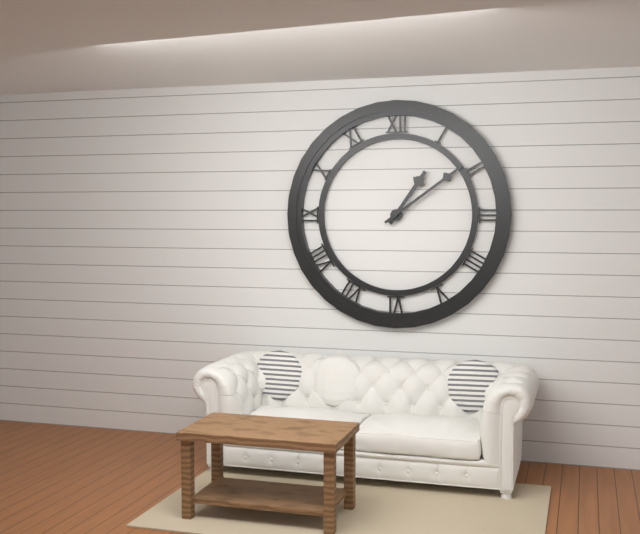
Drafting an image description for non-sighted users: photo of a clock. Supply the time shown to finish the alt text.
1:09
